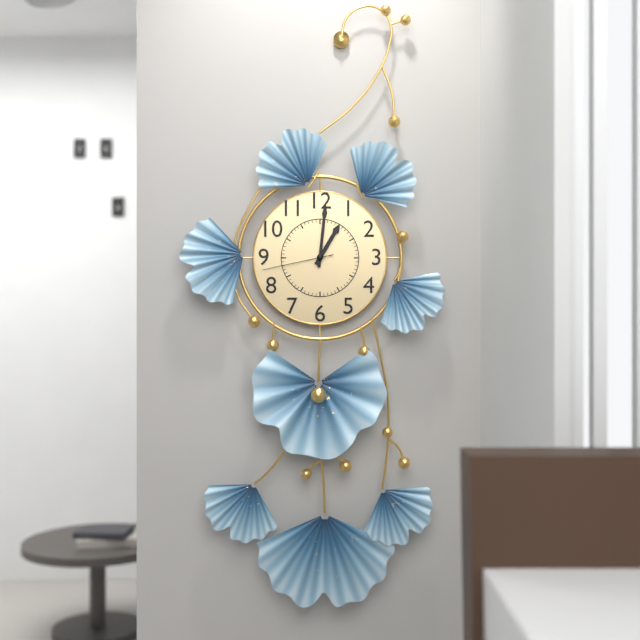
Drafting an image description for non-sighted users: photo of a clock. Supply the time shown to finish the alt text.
1:01:43
